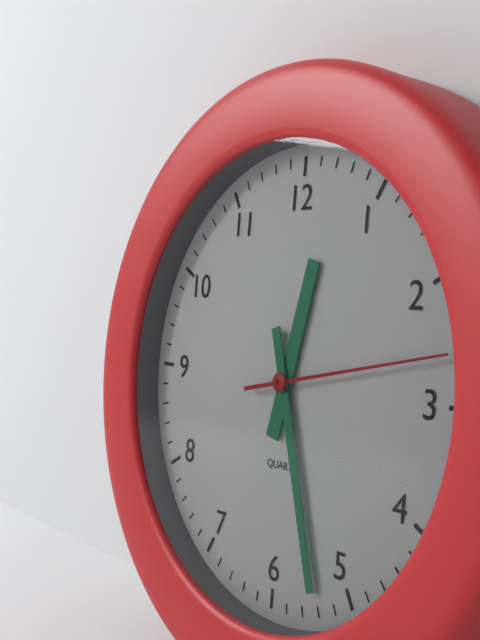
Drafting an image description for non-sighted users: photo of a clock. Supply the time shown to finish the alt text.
12:27:13
